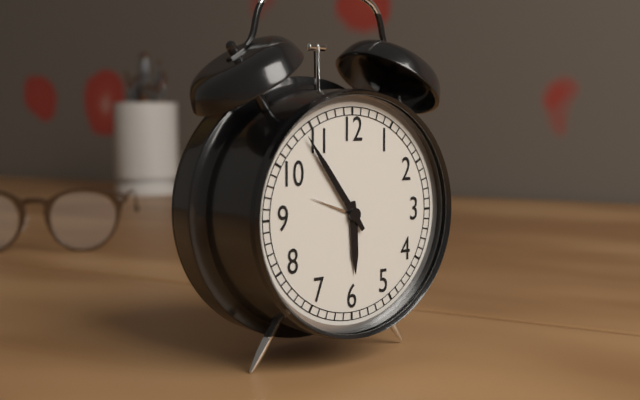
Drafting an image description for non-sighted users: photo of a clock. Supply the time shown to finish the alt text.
5:54
